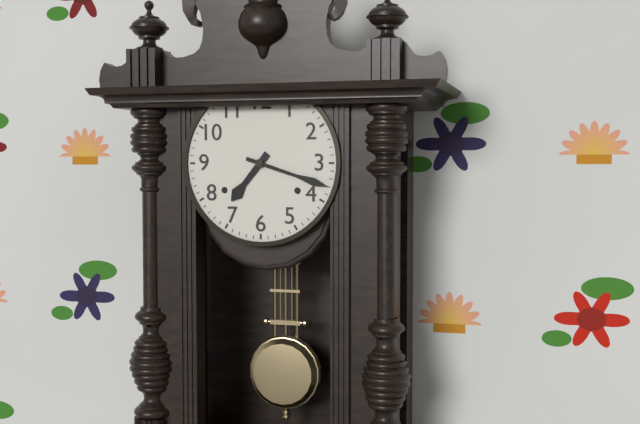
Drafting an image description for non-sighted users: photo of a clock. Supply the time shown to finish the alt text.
7:18
